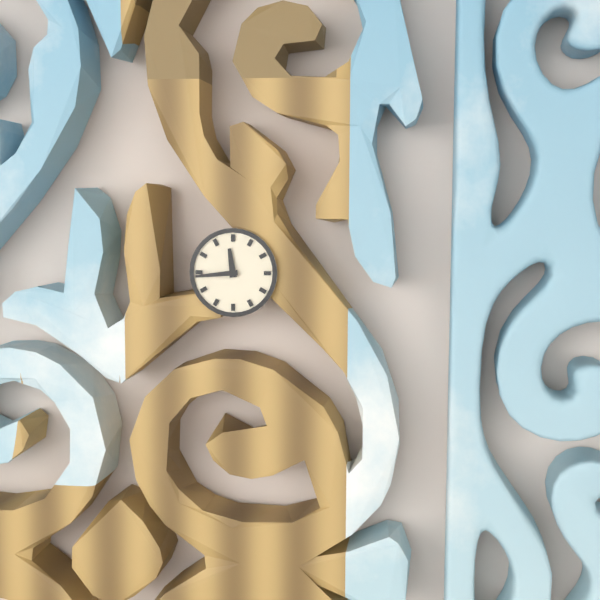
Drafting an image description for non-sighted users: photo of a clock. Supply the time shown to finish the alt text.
11:44
